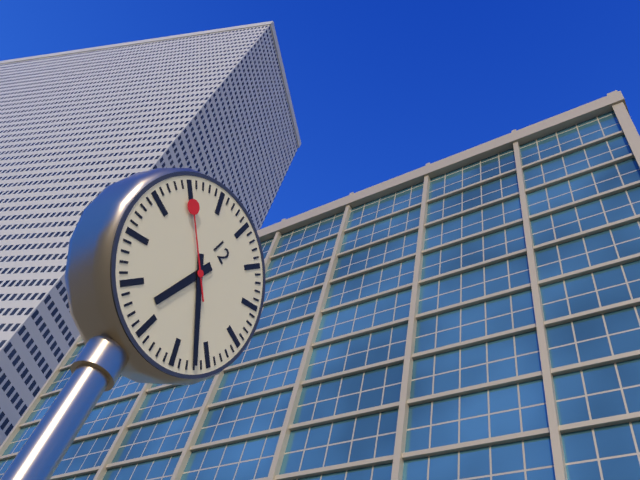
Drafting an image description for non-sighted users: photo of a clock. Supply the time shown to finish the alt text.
6:22:50
